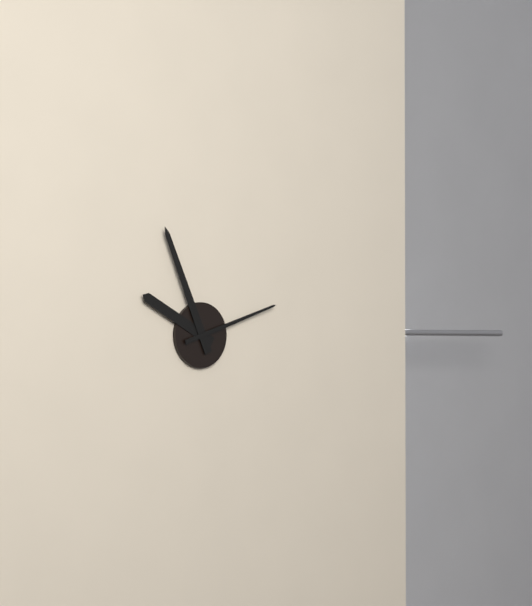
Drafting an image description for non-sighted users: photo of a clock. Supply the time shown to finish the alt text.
9:56:12
